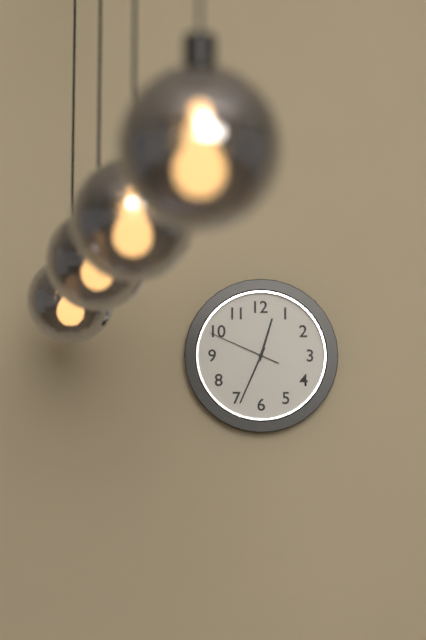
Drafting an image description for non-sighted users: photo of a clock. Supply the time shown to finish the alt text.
12:34:49
